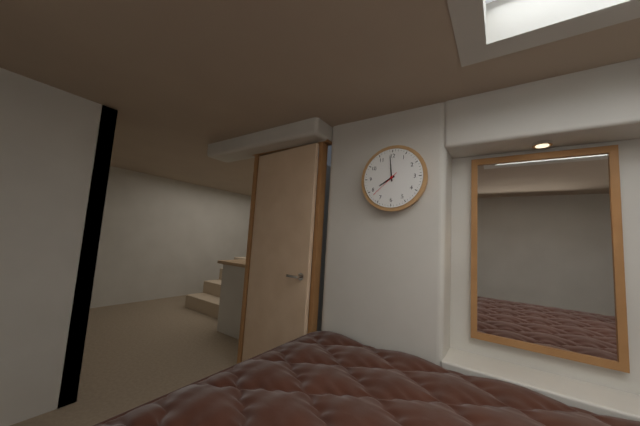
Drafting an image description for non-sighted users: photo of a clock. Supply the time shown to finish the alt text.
7:59
